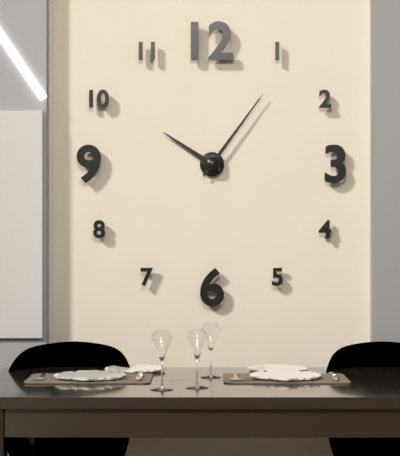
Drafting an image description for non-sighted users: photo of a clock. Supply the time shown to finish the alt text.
10:06
